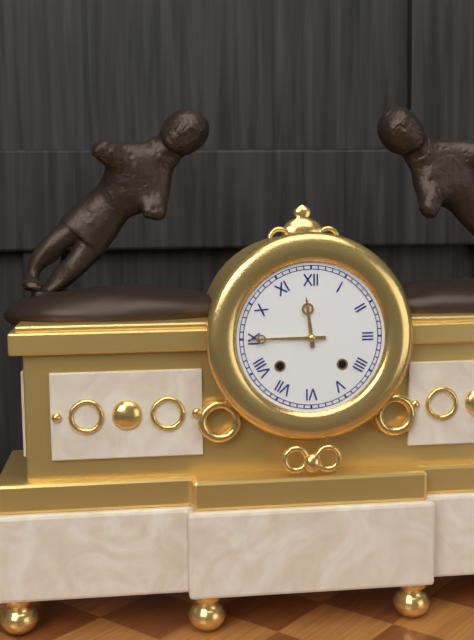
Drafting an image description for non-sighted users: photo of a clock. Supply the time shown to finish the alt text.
11:45
